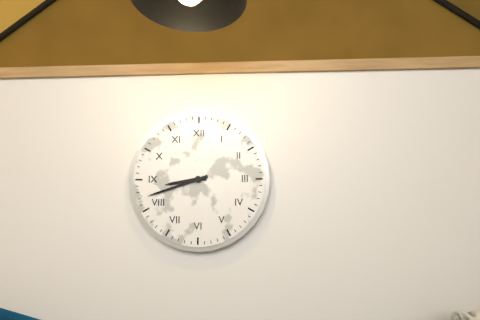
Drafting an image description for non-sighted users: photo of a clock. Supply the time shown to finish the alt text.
8:42
